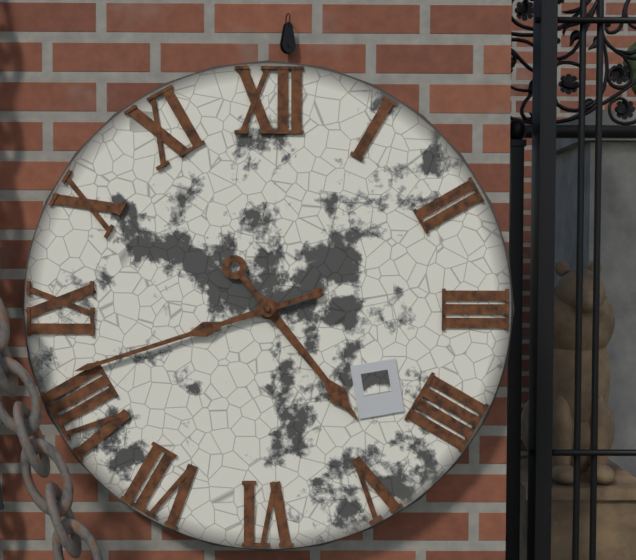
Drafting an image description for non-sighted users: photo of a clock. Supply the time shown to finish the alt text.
4:42
